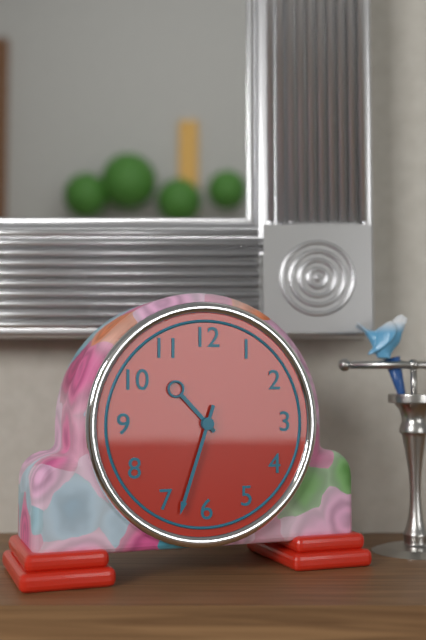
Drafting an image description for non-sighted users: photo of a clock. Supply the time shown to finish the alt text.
10:33
